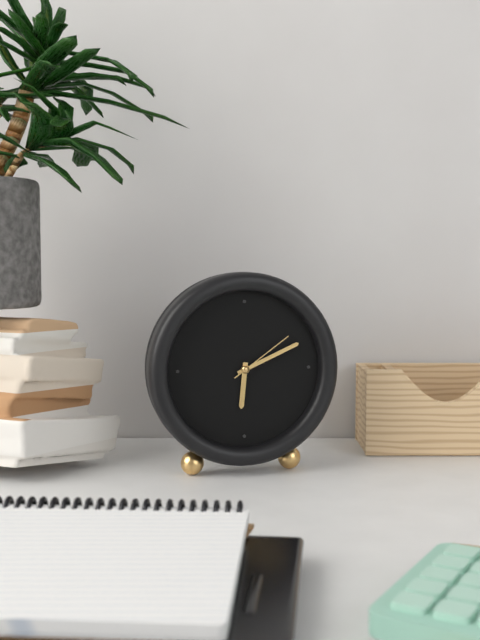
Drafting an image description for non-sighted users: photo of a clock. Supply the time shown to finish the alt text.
6:11:09
